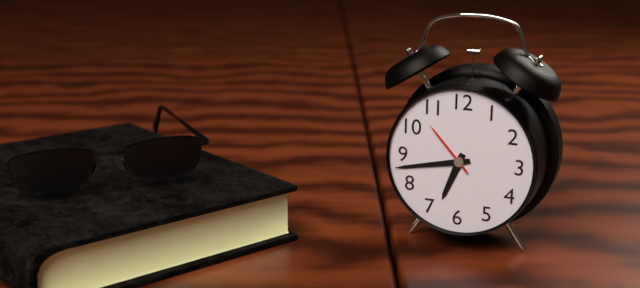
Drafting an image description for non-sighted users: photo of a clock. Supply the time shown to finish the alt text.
6:43:53
